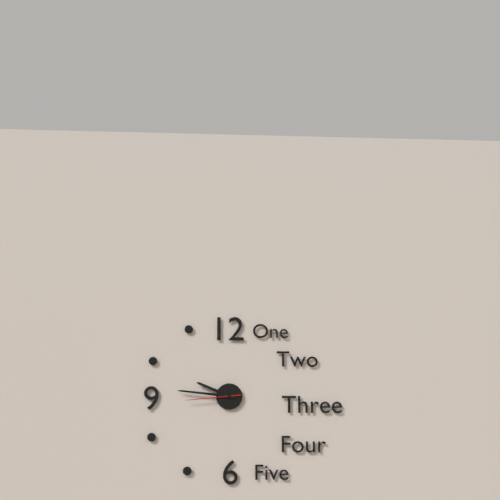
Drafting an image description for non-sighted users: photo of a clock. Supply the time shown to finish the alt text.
9:46:44
